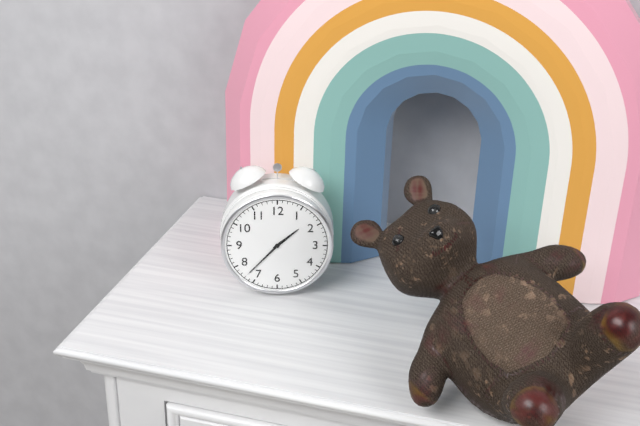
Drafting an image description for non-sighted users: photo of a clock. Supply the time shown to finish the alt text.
1:37
